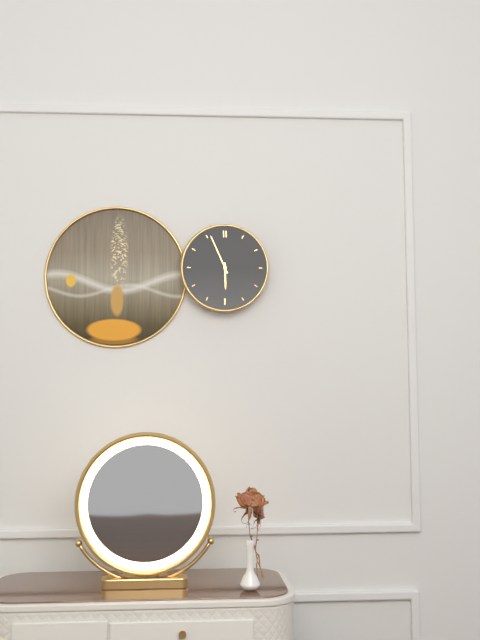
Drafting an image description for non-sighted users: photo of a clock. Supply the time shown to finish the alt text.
5:56
